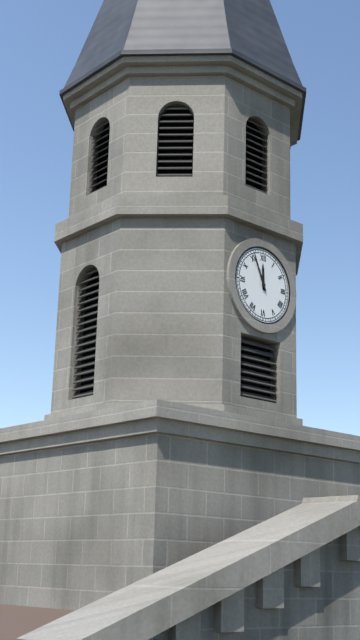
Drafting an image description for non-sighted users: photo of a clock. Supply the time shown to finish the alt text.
11:56
